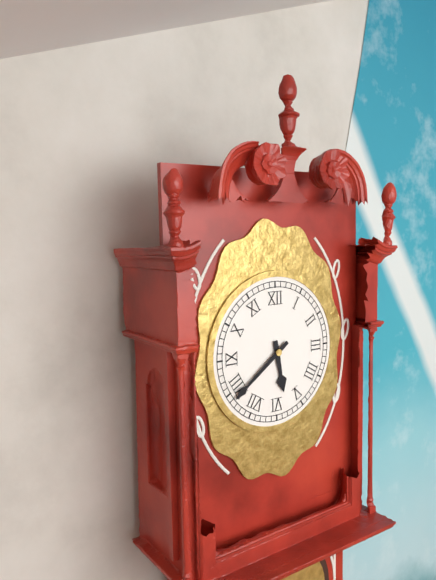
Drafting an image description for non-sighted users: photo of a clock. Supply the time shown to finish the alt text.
5:39
